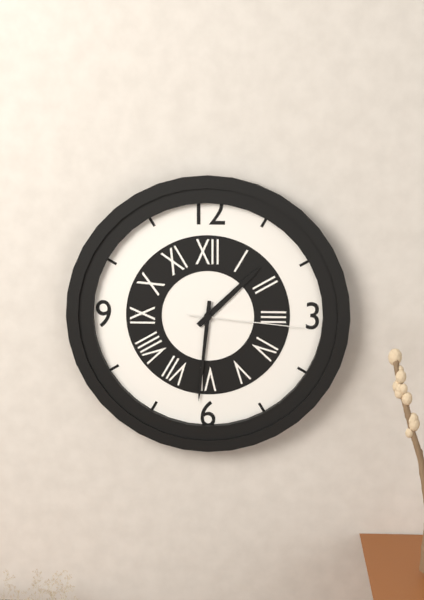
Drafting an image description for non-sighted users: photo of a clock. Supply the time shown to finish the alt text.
1:31:16
